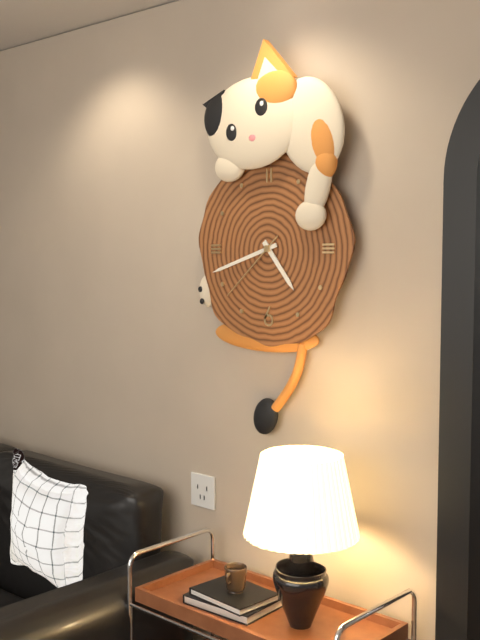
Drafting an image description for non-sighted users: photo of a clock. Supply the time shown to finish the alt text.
4:42:38
